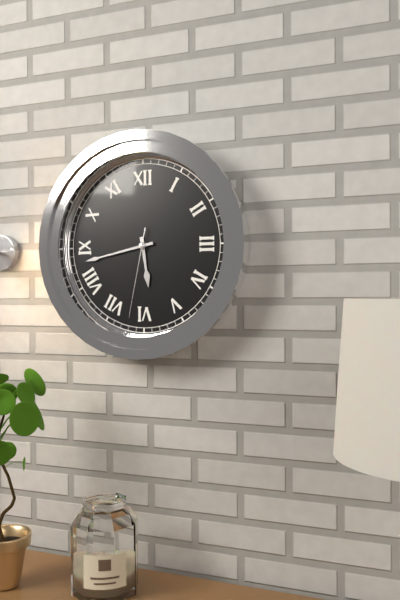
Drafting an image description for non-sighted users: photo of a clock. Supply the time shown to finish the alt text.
5:43:32
